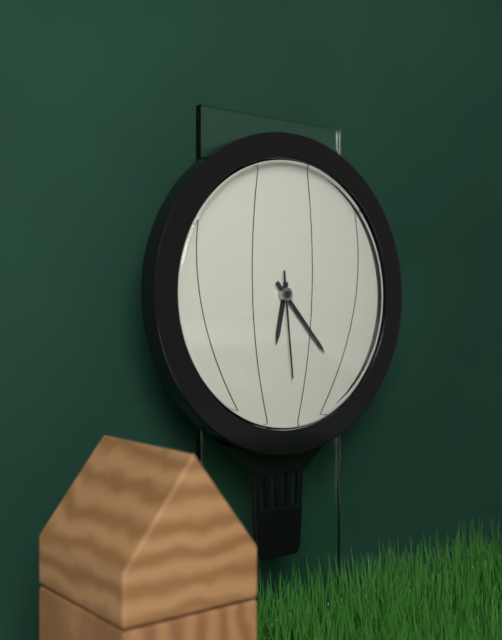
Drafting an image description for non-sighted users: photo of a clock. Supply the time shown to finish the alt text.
6:23:29
